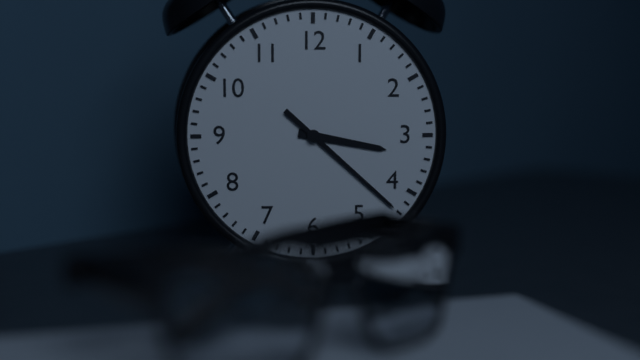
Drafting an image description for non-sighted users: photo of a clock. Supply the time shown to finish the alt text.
3:22
